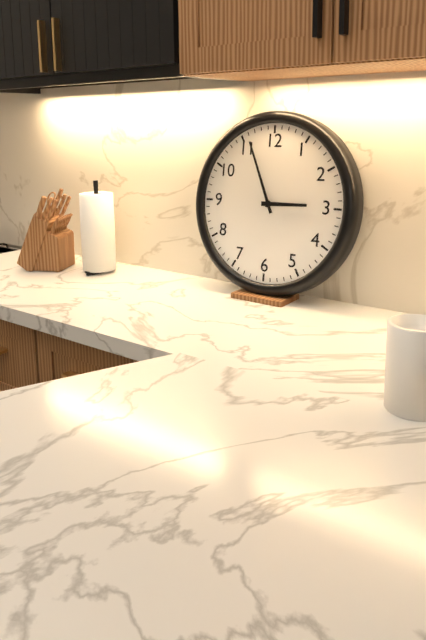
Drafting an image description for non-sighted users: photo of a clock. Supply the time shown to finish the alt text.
2:56
